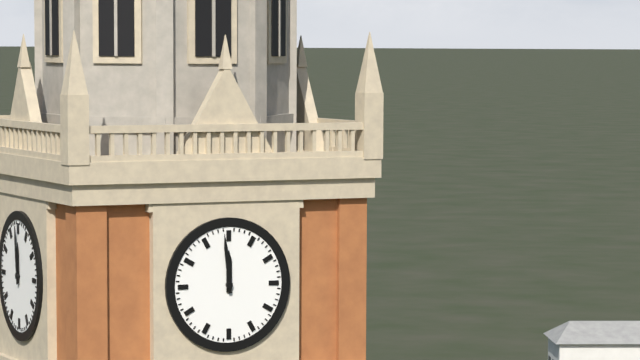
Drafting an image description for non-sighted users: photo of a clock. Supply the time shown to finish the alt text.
11:59
